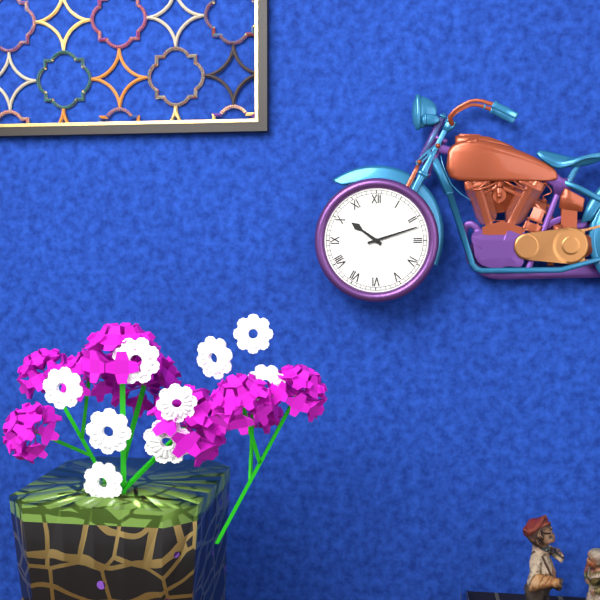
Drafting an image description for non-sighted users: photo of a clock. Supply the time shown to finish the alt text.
10:12
